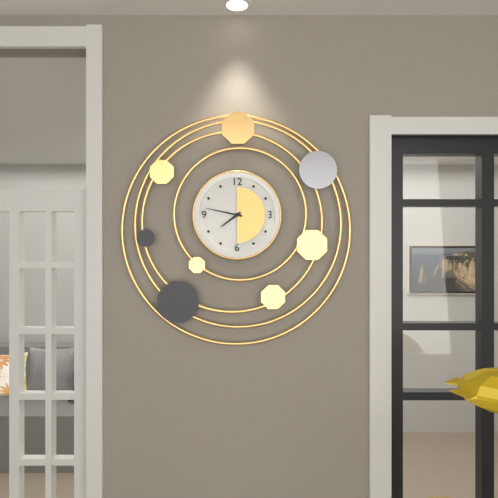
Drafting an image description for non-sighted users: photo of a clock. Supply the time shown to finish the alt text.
7:47
